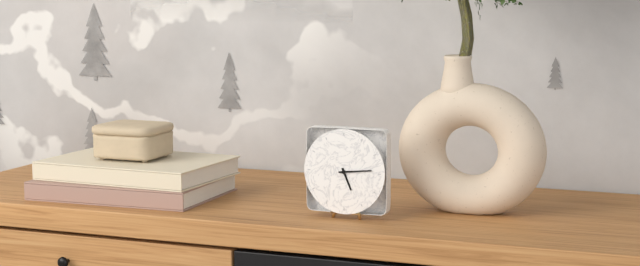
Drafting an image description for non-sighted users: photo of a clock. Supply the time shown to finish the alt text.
5:14
